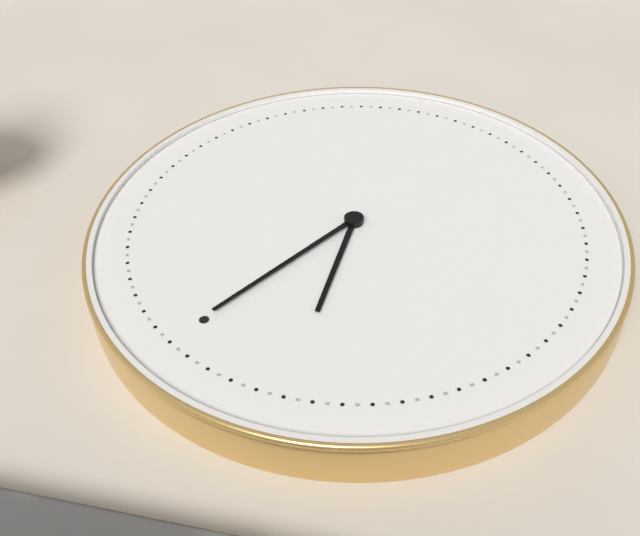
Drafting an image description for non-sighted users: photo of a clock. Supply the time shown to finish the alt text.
11:00
